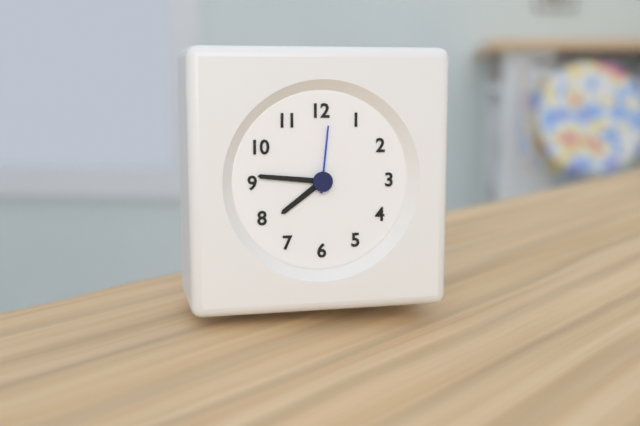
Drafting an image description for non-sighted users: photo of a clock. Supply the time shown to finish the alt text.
7:46:01
